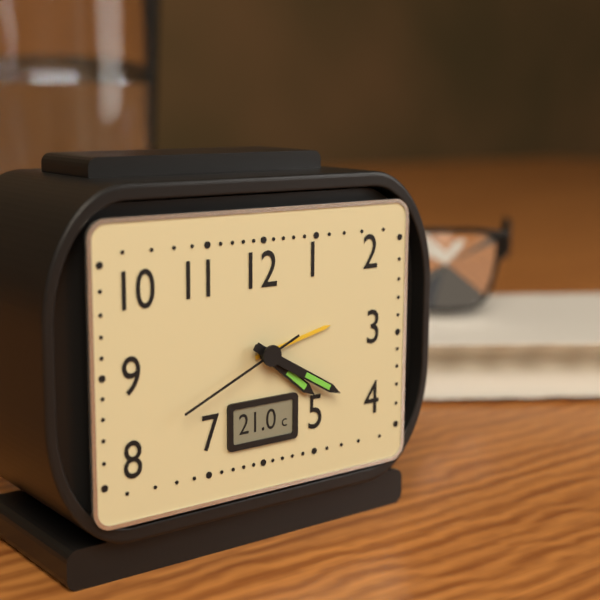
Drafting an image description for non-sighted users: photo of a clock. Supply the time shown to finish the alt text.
4:20:41
